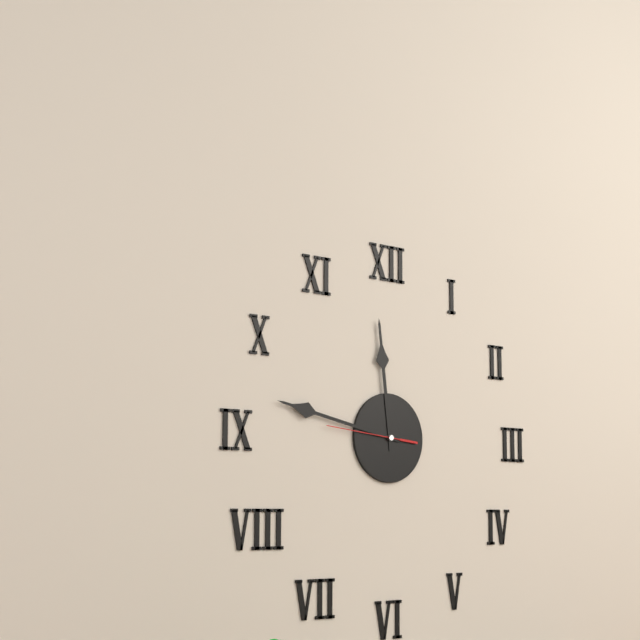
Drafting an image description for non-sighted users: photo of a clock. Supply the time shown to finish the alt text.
11:47:46
